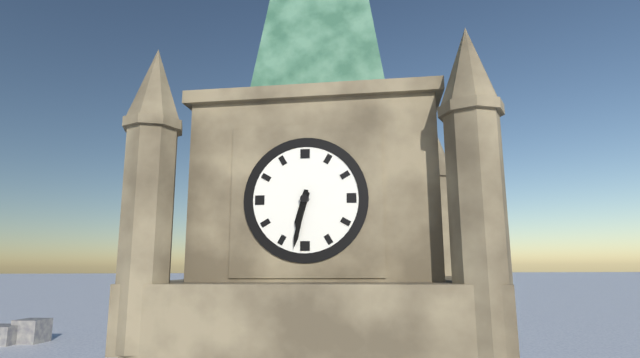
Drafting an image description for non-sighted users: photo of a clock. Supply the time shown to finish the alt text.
6:32
